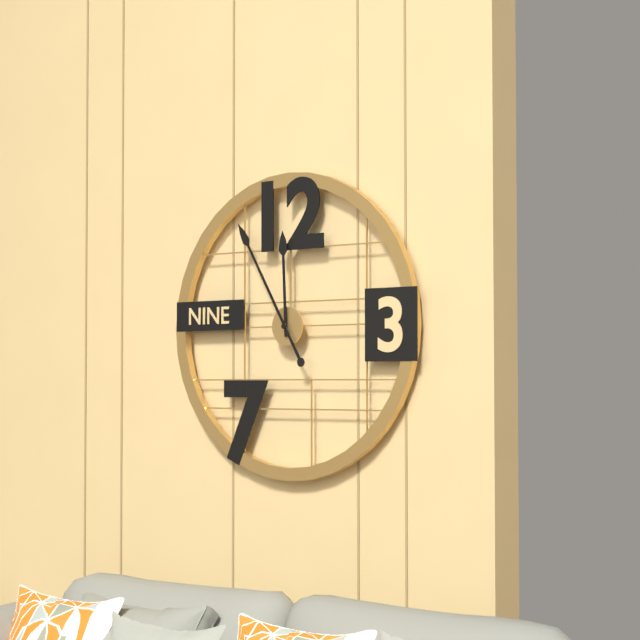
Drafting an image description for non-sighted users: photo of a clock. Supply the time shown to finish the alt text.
11:55
